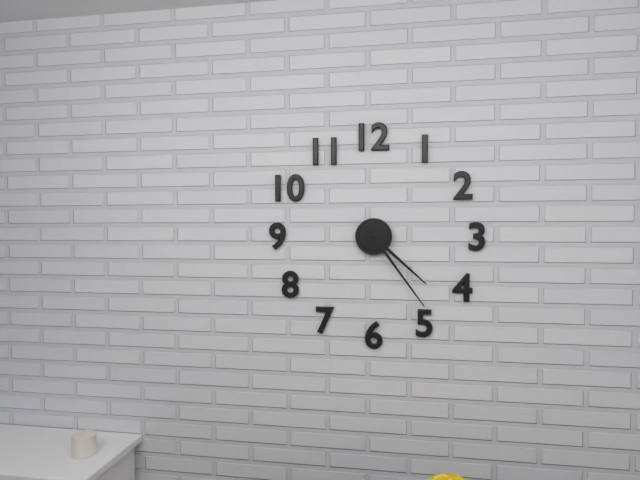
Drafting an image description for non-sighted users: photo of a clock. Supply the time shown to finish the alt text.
4:24
